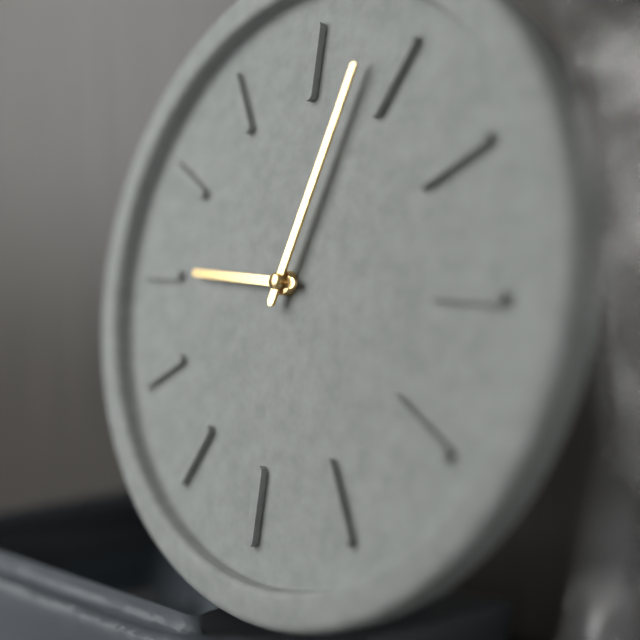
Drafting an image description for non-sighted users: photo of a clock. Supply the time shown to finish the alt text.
9:03
